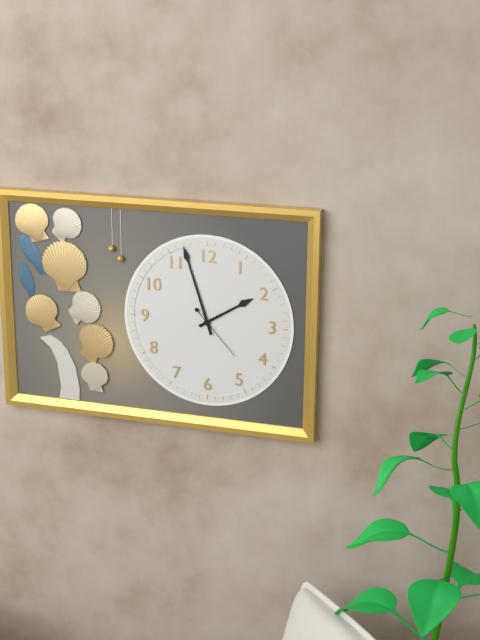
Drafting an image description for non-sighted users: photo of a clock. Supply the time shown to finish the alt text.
1:57:23
